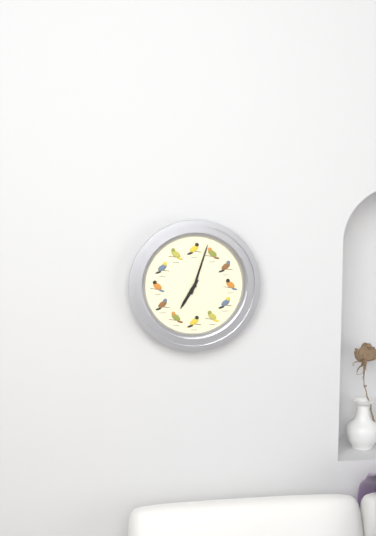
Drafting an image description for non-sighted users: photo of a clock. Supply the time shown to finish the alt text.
7:03
